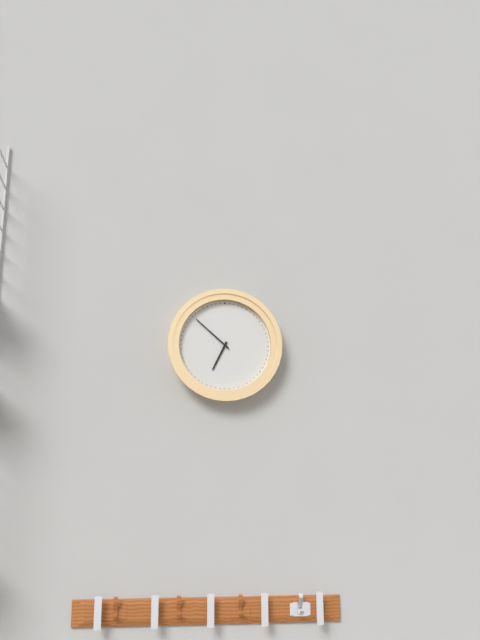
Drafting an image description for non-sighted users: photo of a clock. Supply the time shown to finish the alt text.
6:52
